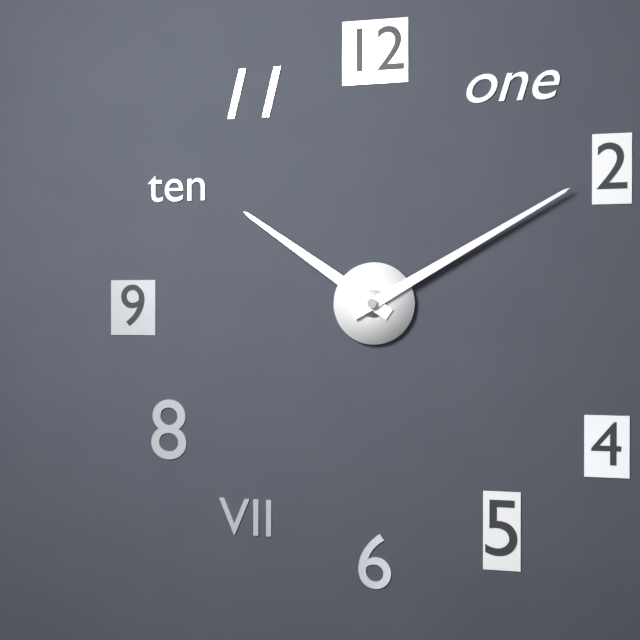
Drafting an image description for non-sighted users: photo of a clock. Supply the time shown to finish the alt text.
10:10
